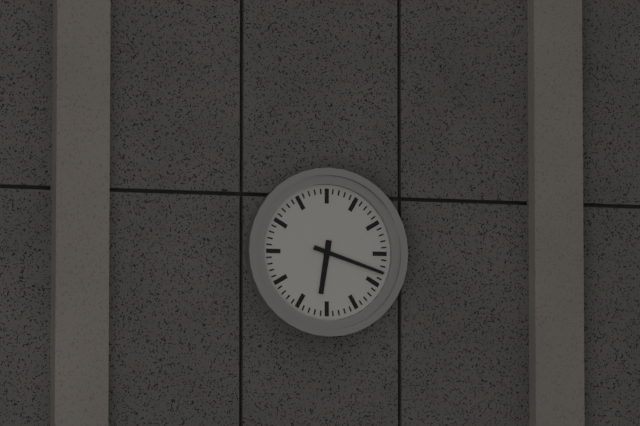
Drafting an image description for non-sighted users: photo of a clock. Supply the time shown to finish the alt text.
6:18
